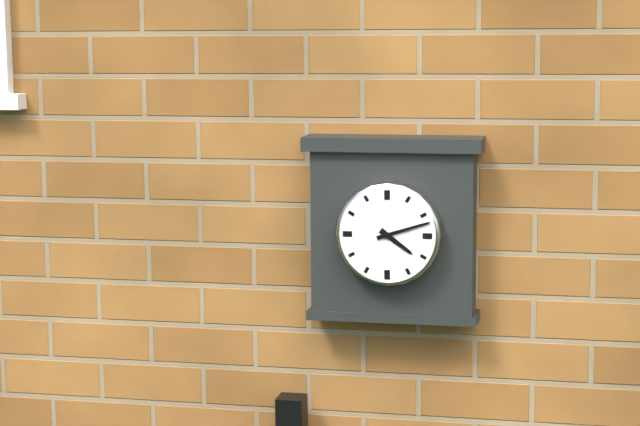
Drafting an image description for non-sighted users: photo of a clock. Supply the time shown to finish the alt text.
4:12
